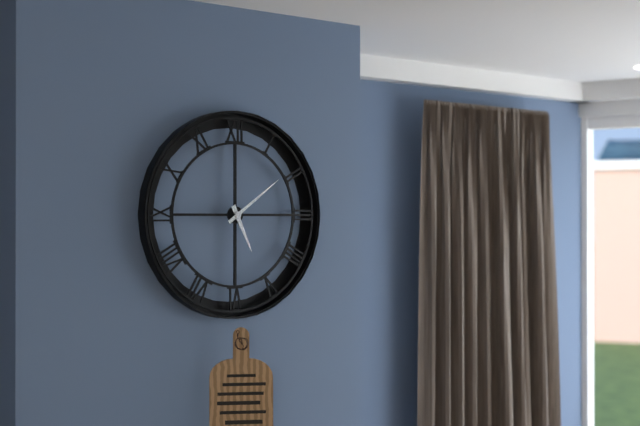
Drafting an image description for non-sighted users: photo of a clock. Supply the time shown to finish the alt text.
5:09
